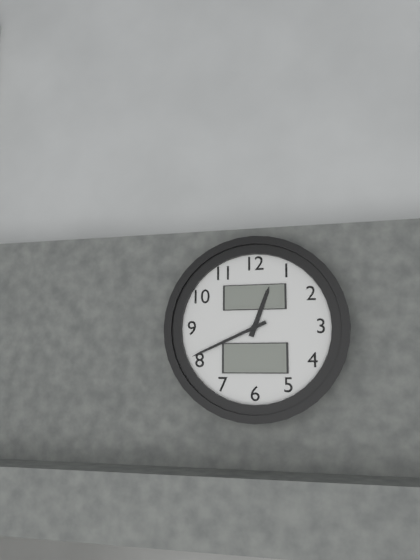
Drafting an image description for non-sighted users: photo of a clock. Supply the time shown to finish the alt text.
12:41
